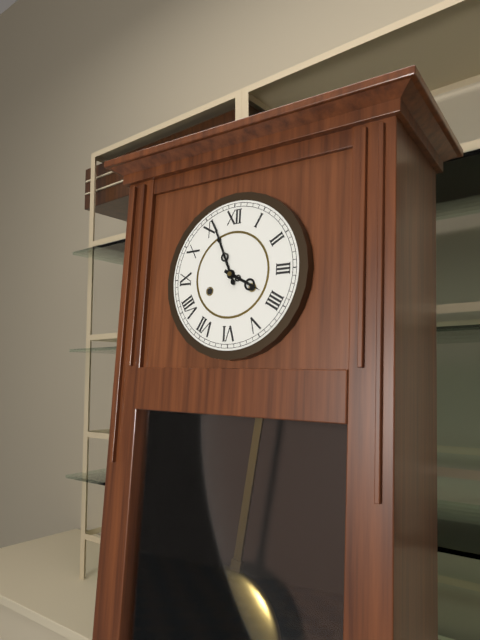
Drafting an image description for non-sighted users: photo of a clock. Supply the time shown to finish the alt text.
3:56
